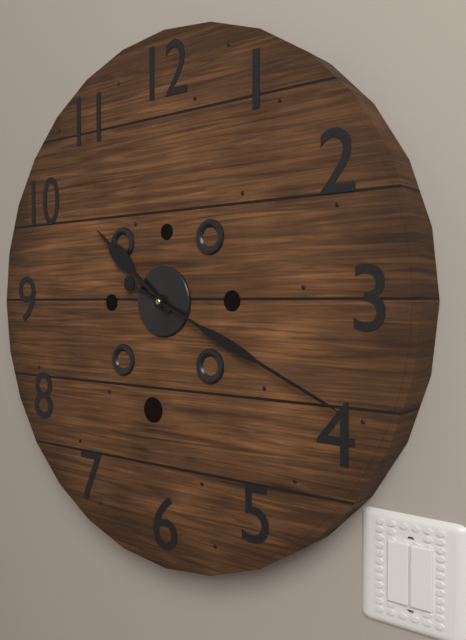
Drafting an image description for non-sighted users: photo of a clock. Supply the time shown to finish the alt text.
10:19
